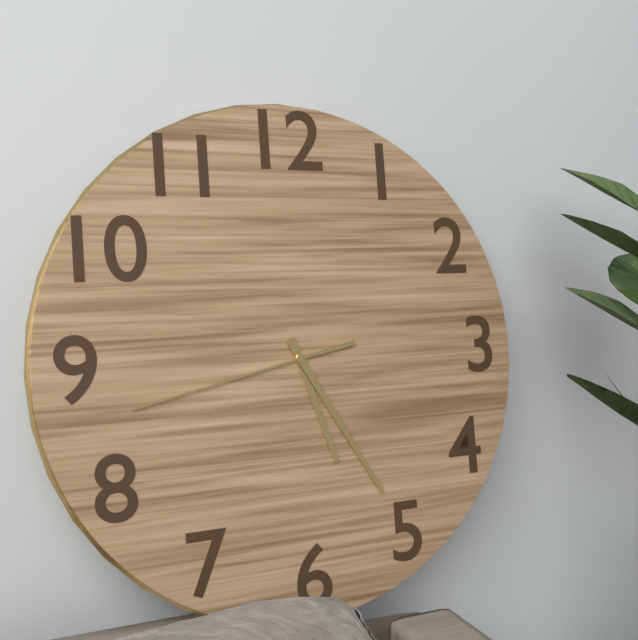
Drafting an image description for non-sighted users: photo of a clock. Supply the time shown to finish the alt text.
5:25:43
